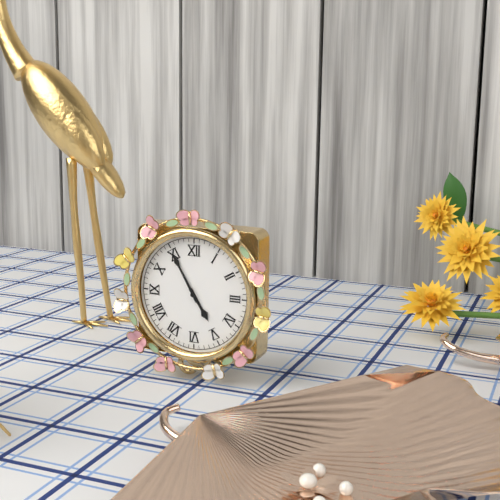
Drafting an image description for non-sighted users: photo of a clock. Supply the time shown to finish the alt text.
4:55
